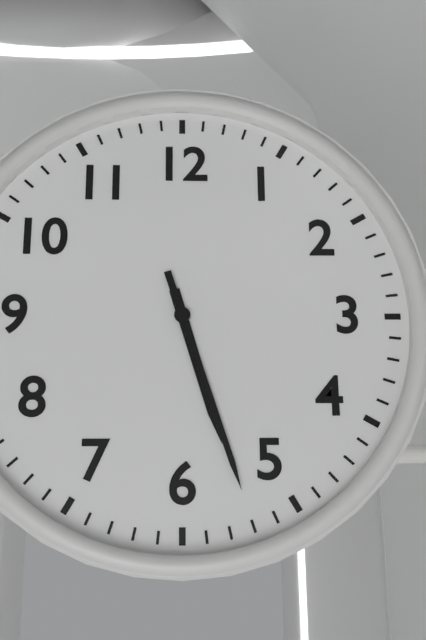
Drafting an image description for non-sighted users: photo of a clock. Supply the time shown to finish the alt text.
5:27
